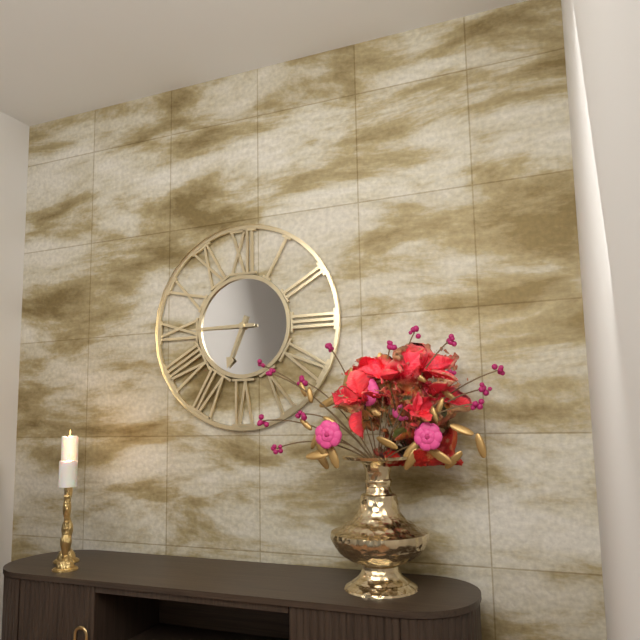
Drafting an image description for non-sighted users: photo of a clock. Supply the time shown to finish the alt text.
6:45
